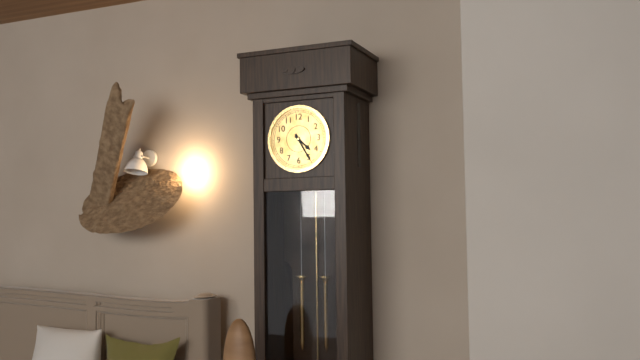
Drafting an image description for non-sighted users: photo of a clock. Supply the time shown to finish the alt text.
4:25
